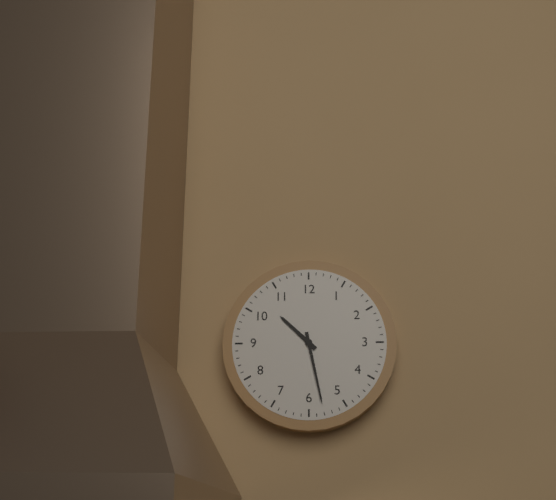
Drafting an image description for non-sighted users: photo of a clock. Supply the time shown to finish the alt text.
10:28
